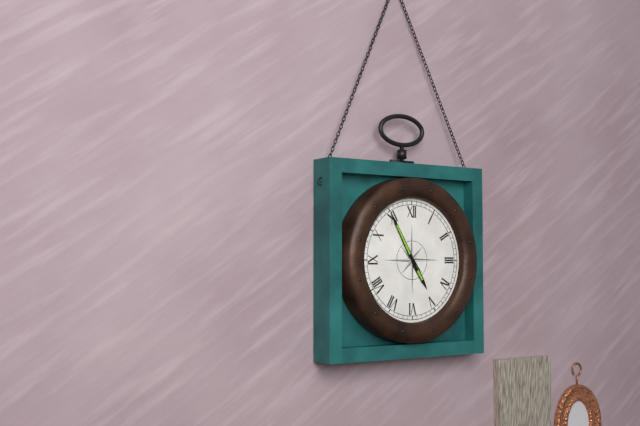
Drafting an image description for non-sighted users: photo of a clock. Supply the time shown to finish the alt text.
4:55
